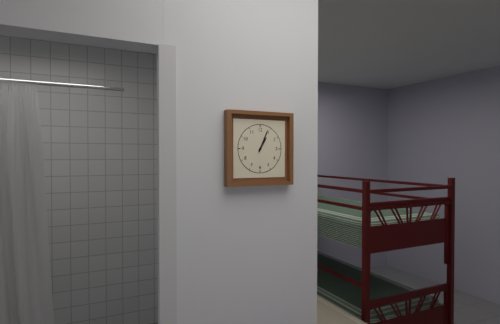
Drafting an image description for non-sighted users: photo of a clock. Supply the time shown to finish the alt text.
1:04
